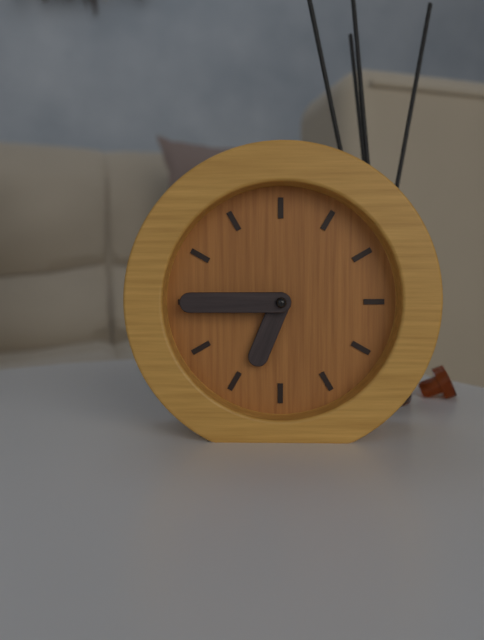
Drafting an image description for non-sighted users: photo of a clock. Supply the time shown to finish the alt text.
6:45
